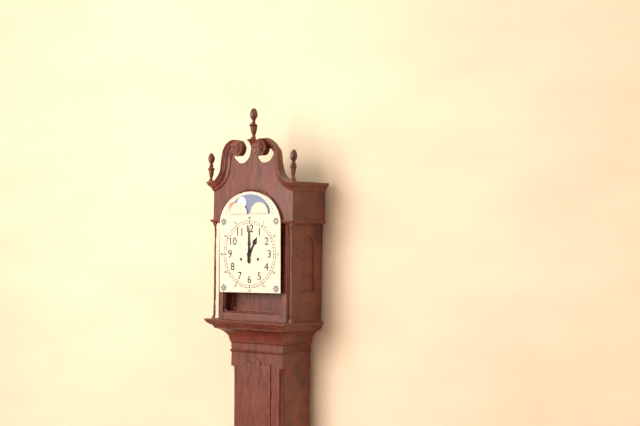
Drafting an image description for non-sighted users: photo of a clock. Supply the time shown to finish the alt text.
1:00
